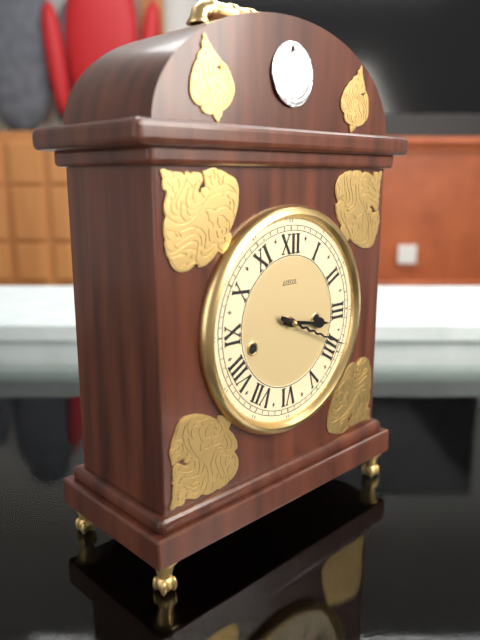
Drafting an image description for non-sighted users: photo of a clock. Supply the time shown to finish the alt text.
3:19
